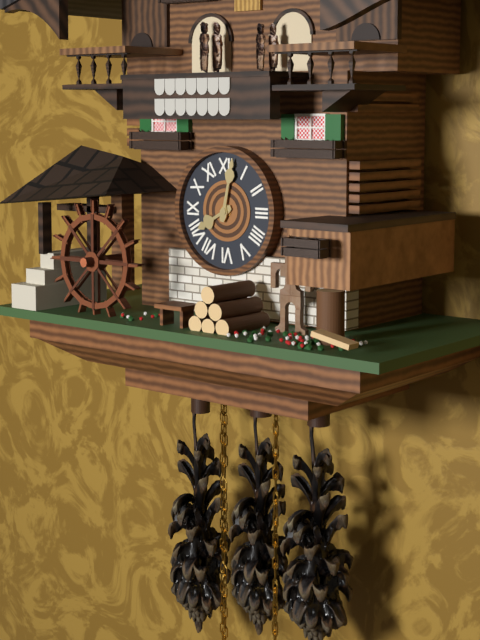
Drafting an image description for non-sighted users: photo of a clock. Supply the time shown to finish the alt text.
8:02
